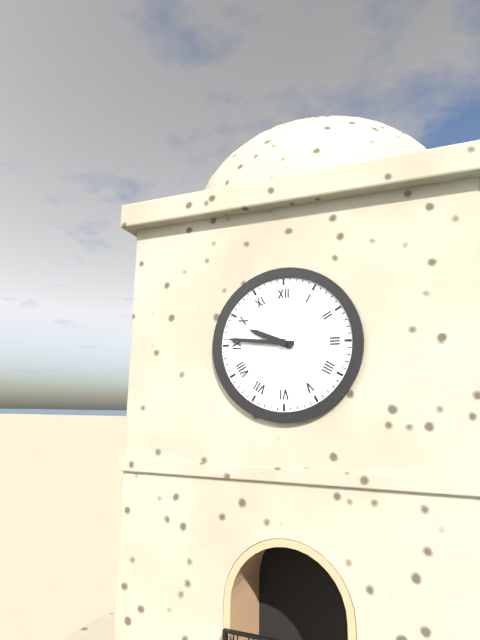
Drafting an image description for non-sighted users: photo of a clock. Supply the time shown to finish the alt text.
9:46
